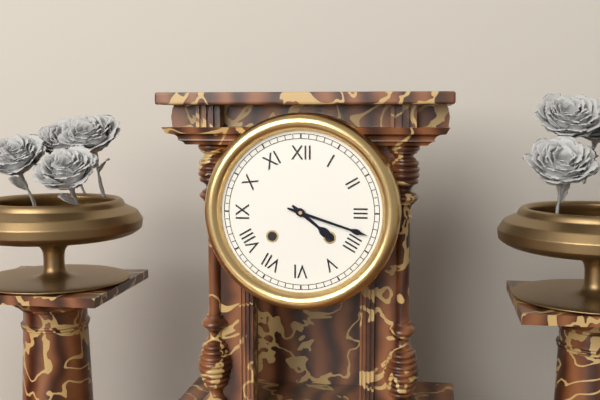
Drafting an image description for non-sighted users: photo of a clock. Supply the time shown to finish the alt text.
4:18
